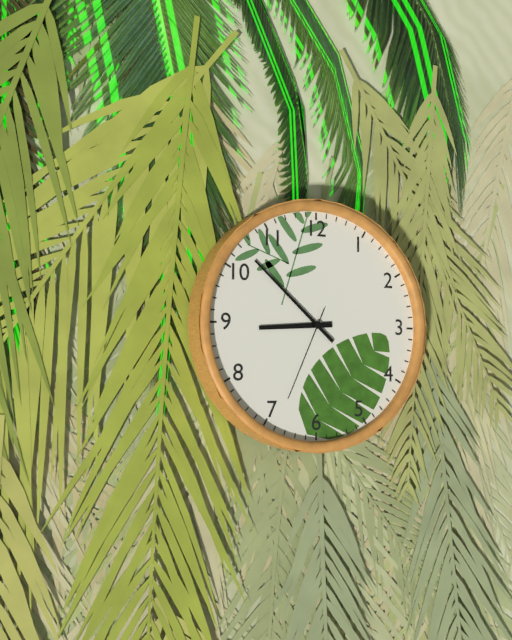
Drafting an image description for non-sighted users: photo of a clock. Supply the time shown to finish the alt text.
8:52:34
